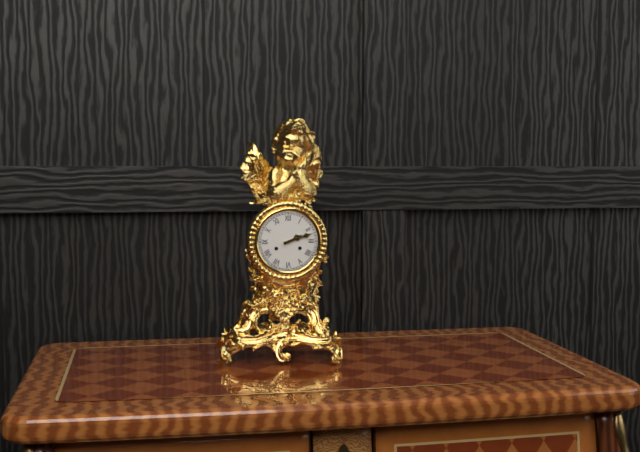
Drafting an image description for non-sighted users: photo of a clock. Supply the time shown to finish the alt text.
2:12
